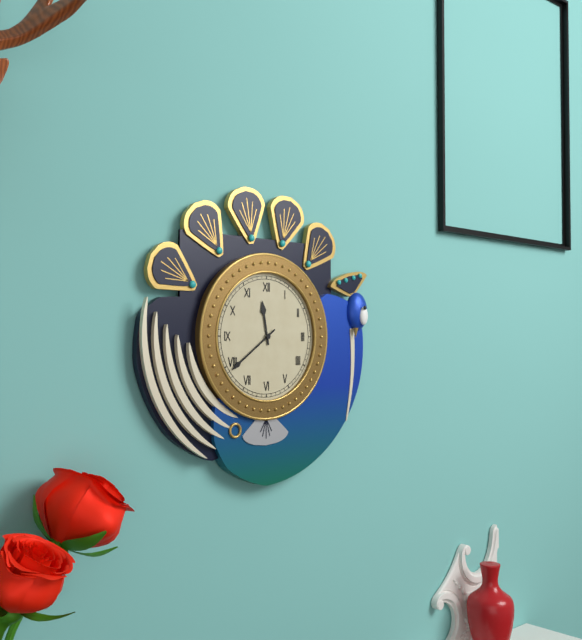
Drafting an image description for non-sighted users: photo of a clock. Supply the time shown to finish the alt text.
11:39
